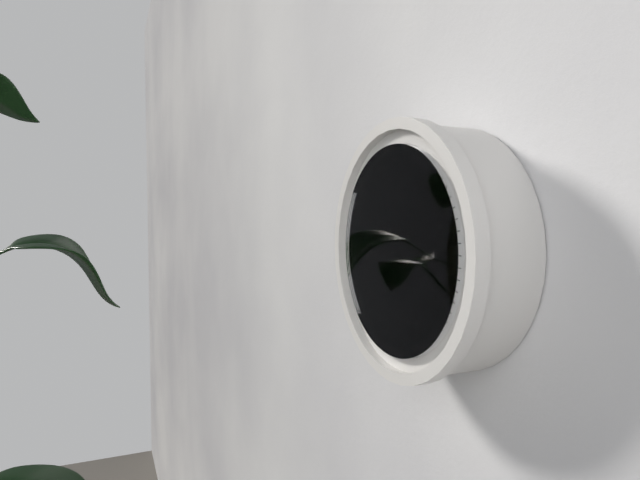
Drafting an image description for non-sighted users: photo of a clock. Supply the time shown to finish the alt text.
11:42:58
